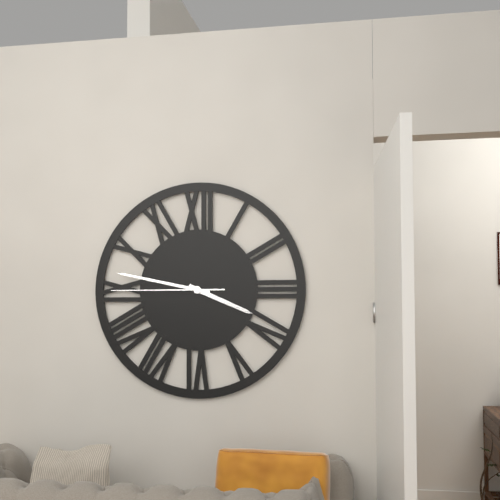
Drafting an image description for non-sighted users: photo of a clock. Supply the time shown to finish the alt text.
3:47:45
